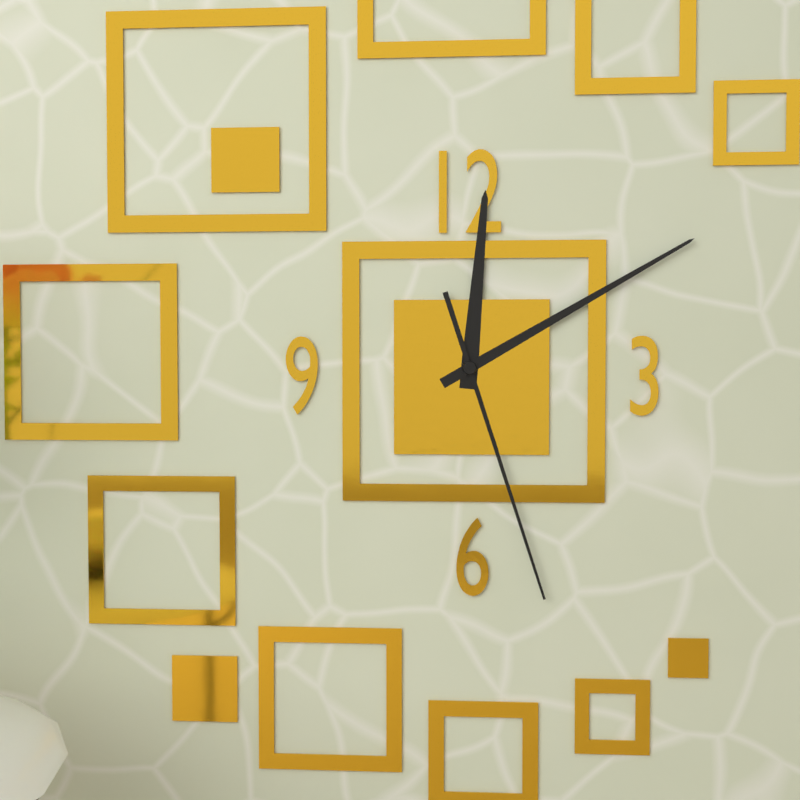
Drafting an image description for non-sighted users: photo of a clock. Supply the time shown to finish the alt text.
12:10:27
